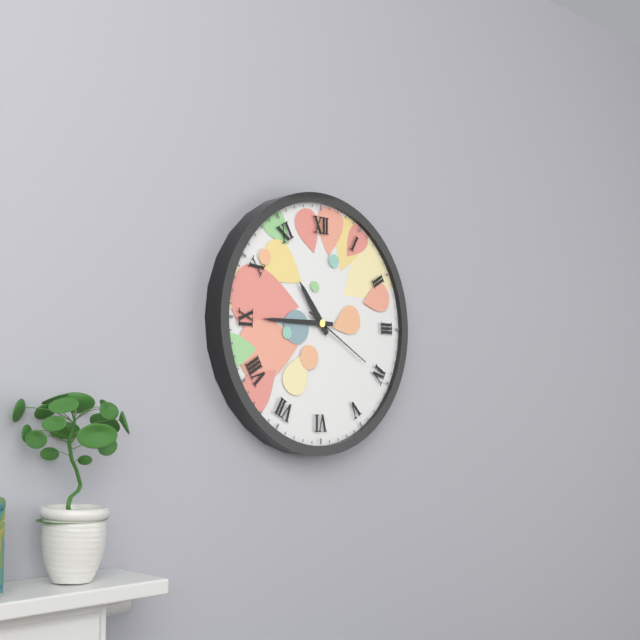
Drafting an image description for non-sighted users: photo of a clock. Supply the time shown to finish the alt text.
10:45:20
